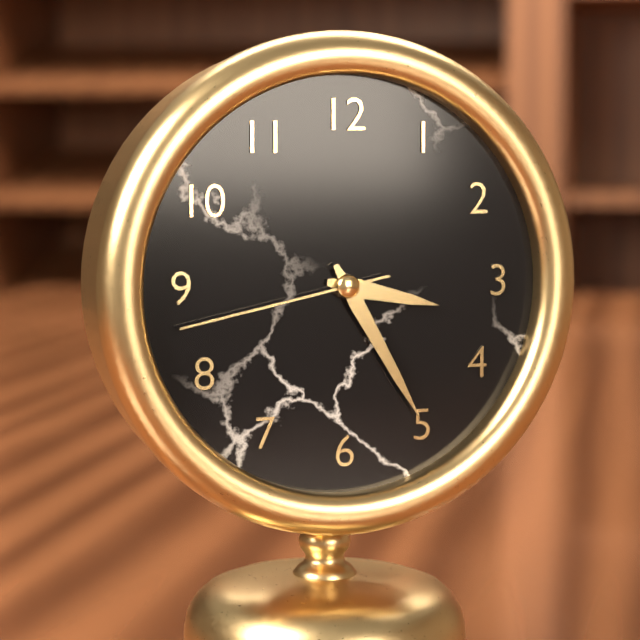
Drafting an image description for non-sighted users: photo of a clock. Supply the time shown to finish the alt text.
3:25:43
